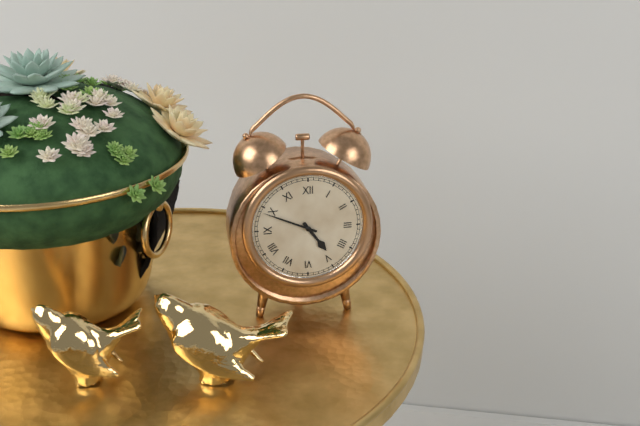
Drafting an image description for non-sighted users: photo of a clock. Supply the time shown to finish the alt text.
4:49
